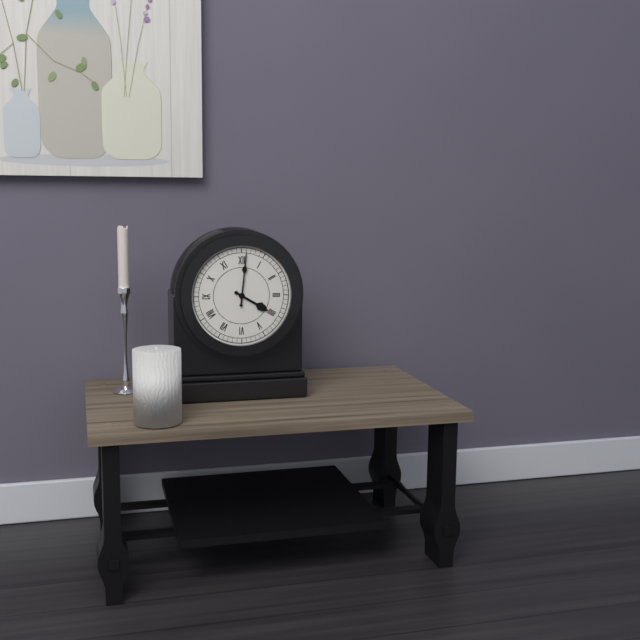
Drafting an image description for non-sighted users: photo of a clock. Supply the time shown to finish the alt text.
4:01
